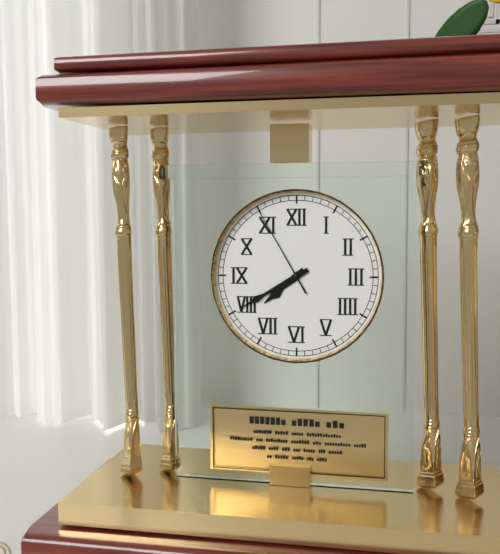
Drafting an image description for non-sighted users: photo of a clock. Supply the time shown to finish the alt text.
7:40:55
